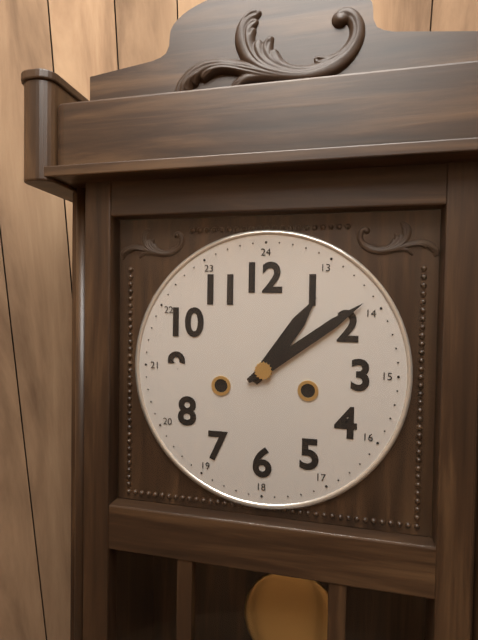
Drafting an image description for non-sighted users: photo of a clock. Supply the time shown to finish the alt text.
1:09
